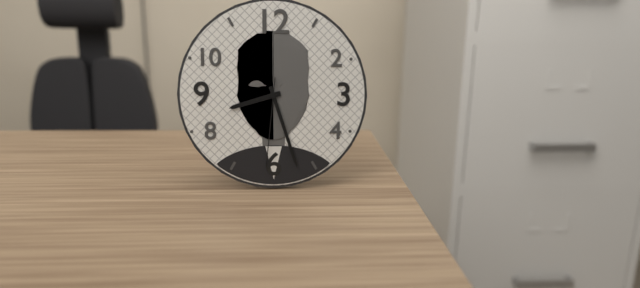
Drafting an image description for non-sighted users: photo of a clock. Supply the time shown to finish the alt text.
8:27:31
